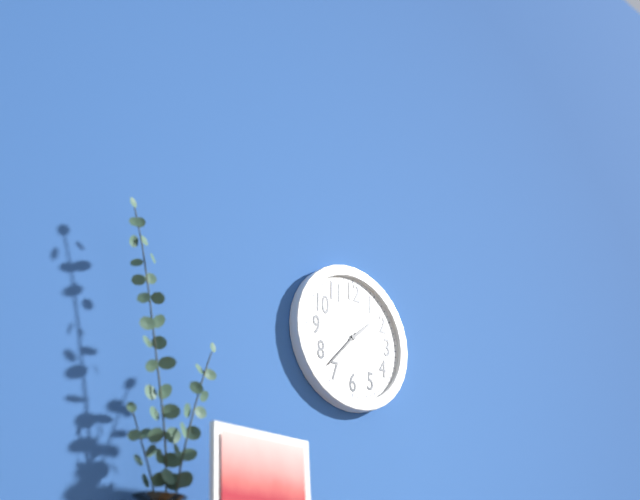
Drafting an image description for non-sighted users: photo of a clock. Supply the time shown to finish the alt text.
1:37
